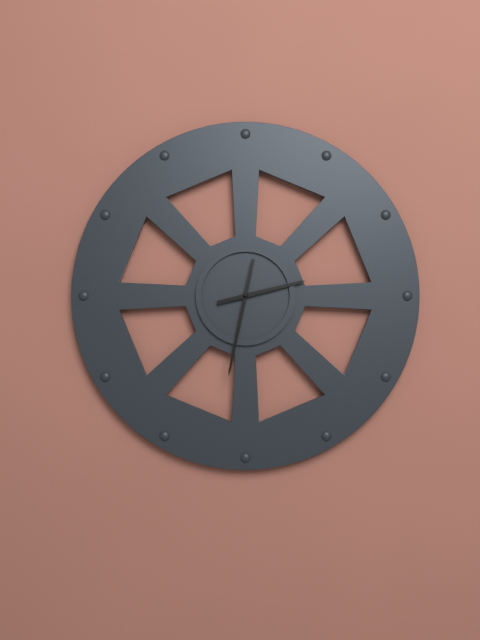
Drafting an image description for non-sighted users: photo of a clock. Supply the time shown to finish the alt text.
2:32
